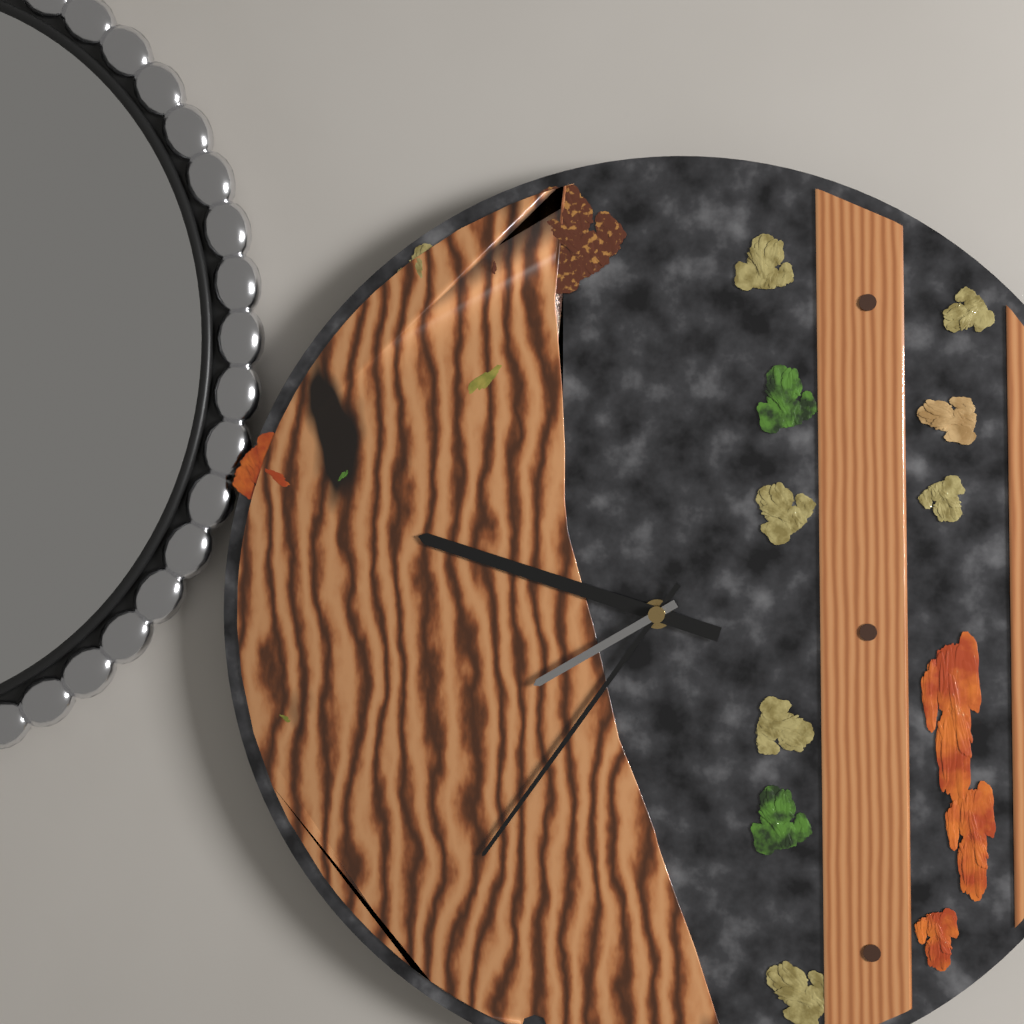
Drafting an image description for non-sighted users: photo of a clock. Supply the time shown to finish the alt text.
9:36:40
